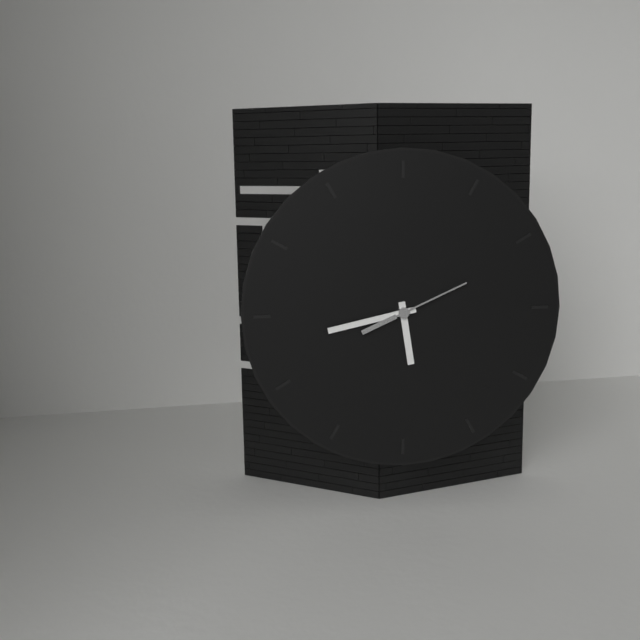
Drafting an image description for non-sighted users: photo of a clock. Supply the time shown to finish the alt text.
5:43:11
